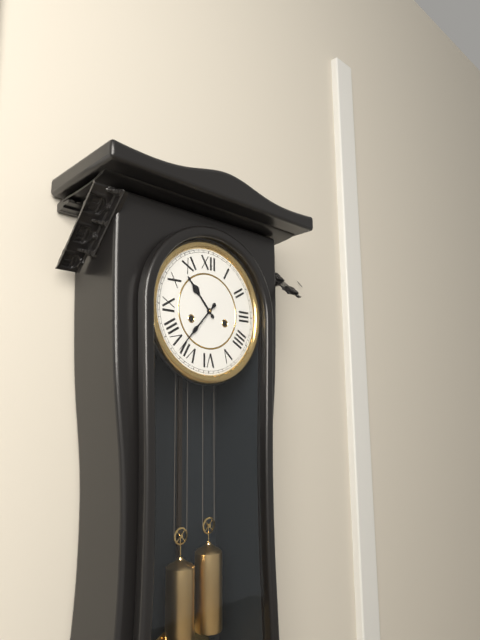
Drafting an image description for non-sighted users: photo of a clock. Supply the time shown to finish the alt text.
10:37
